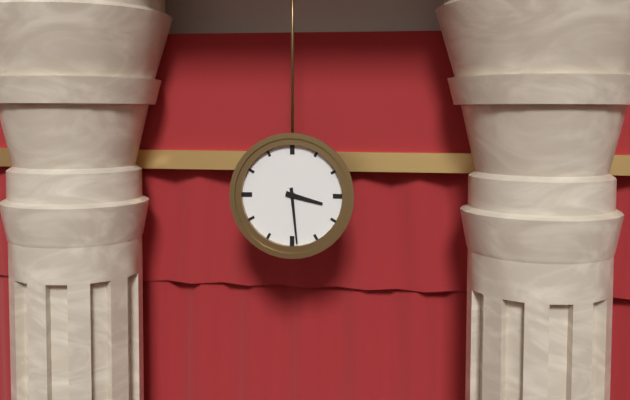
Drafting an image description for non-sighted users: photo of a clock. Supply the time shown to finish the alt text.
3:29
